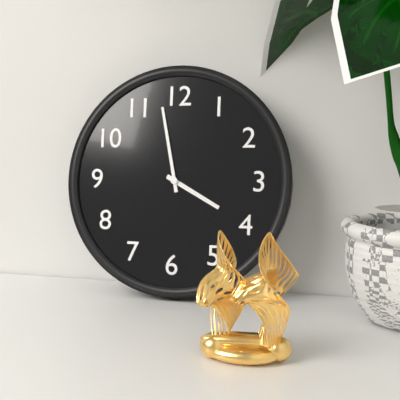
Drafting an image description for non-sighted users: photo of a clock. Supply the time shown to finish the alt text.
3:58
